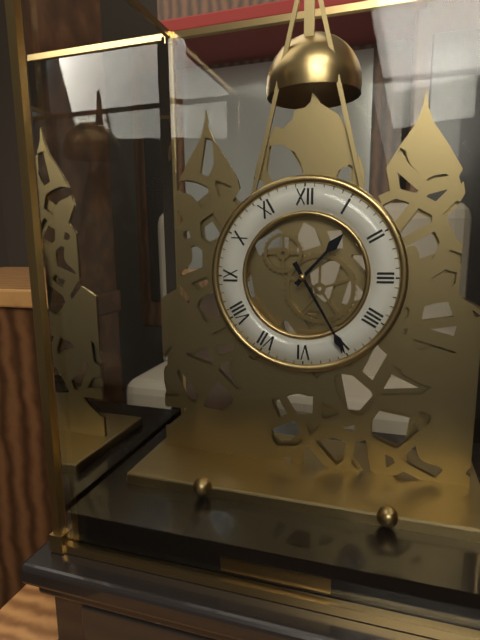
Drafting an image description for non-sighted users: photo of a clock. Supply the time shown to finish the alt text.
1:25
